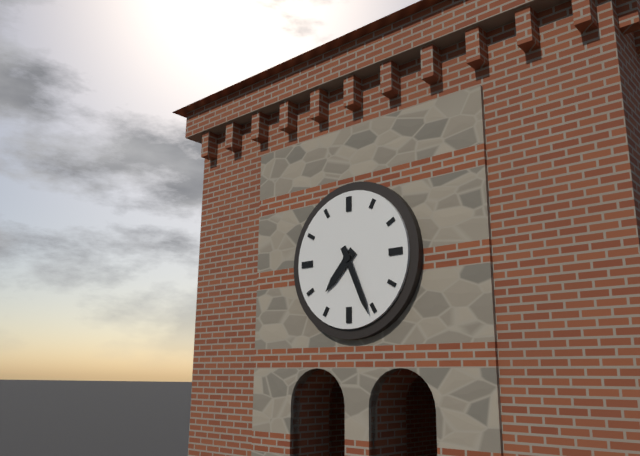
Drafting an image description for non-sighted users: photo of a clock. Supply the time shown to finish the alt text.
7:26
